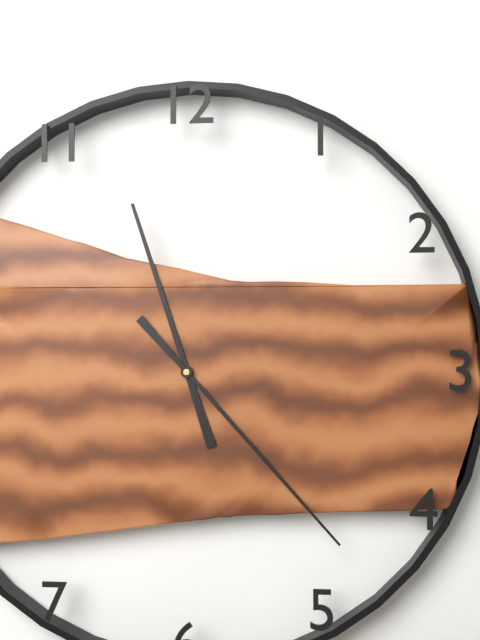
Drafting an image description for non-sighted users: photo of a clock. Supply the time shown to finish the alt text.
11:23
